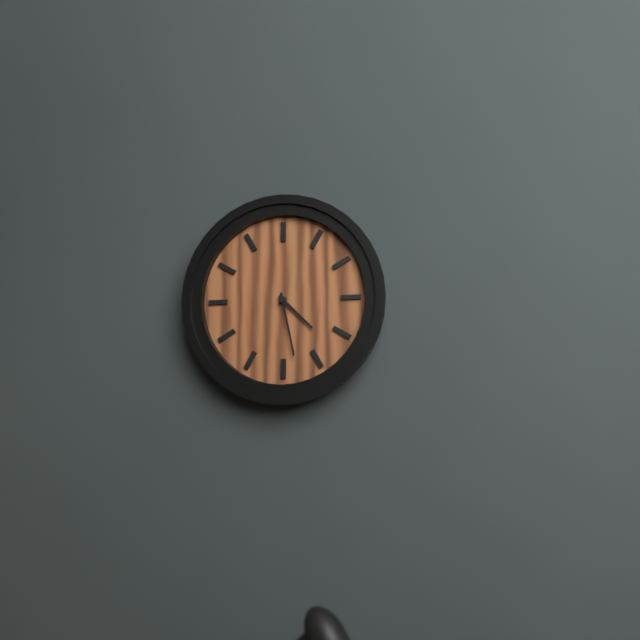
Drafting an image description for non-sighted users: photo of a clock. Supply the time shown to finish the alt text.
4:28
